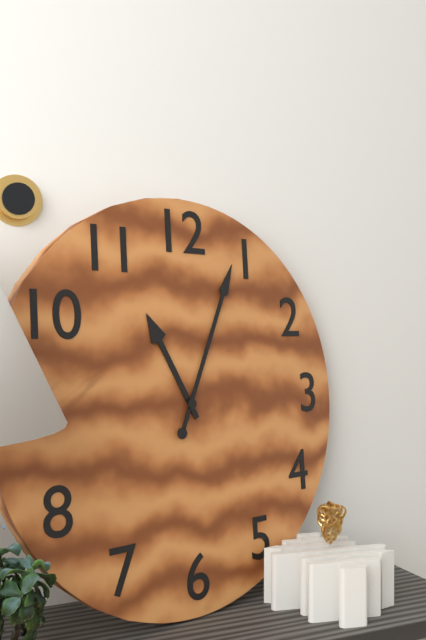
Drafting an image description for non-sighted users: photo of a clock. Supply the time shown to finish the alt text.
11:04
